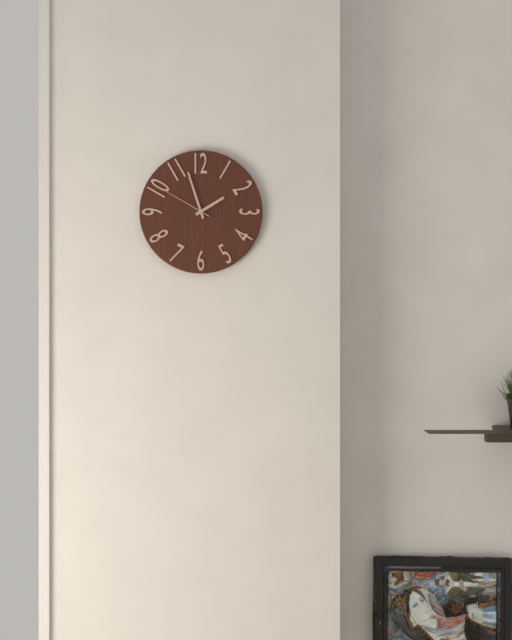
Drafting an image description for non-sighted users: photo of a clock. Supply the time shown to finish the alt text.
1:57:50
